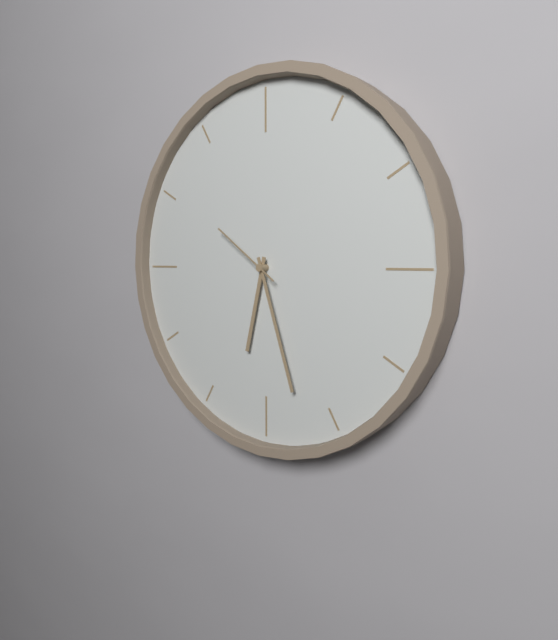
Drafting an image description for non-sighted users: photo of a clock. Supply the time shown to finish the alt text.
6:27:51
